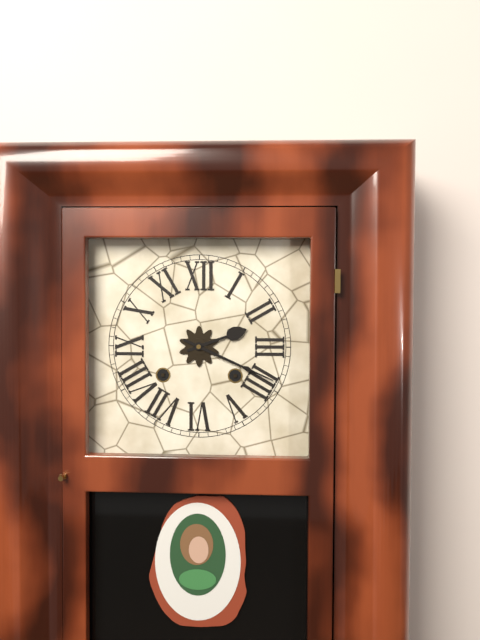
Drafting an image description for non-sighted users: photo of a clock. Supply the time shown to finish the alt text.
2:19
